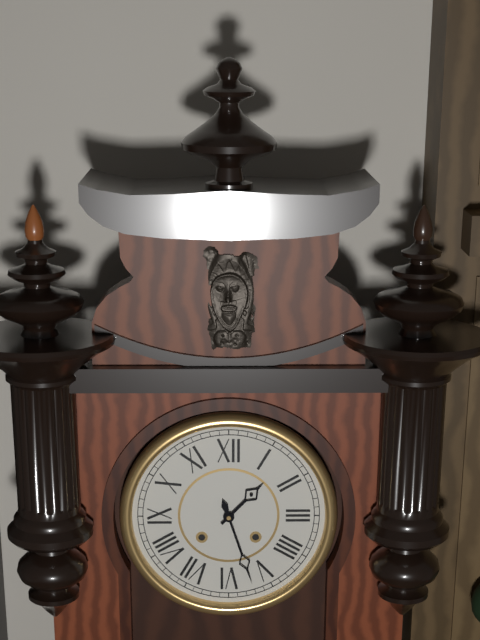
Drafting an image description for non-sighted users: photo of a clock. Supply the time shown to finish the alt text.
1:27
